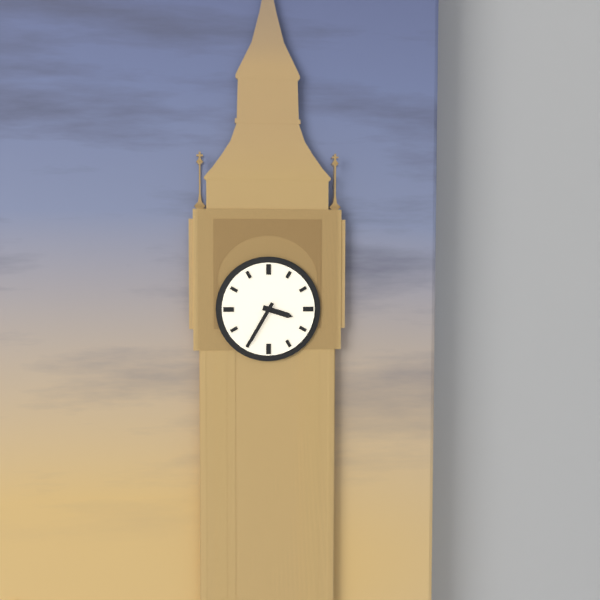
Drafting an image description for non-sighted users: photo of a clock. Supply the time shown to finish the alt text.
3:35
